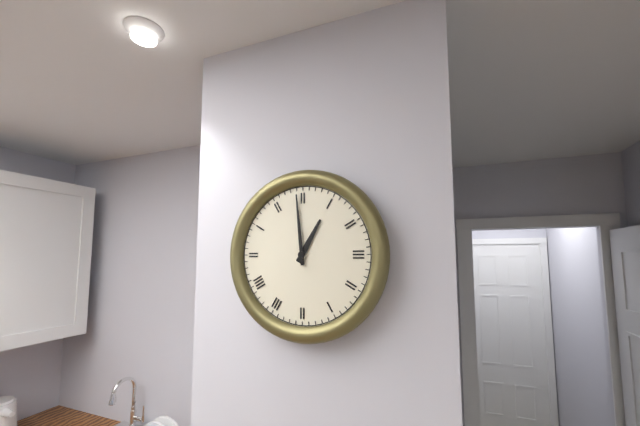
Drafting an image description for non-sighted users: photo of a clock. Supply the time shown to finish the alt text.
12:59
